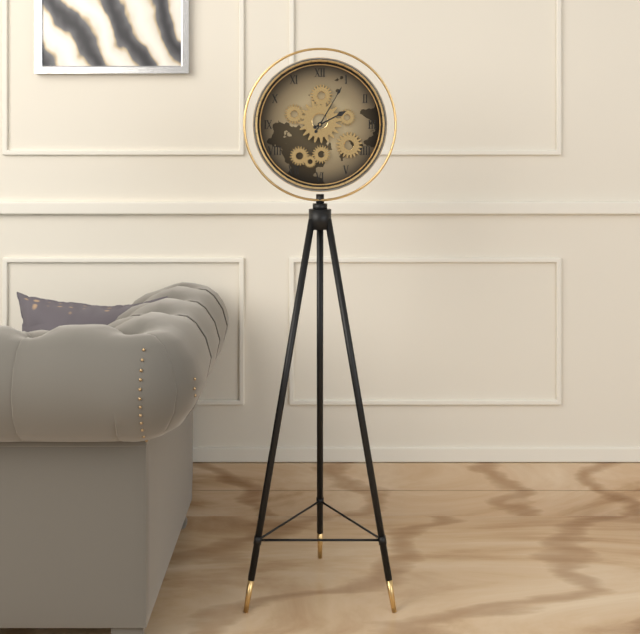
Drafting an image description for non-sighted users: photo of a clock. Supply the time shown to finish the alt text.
2:05
